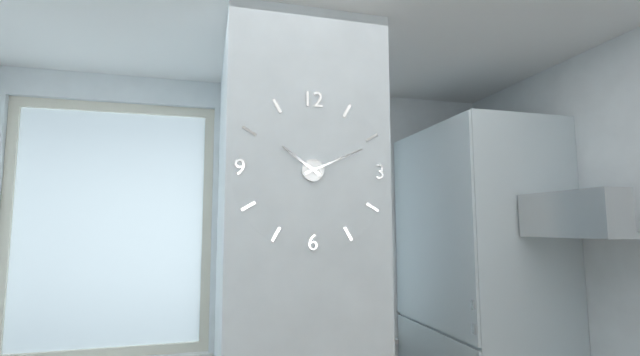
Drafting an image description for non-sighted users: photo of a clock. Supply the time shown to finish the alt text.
10:11
